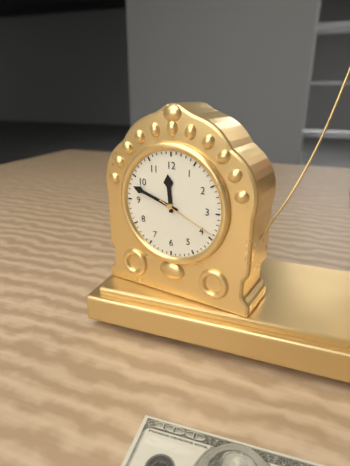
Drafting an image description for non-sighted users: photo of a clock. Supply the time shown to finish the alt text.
11:48:19
